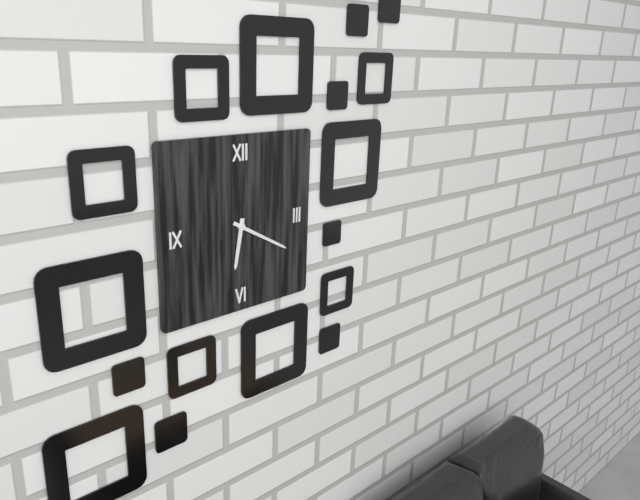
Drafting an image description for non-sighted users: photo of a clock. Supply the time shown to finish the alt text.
6:20
